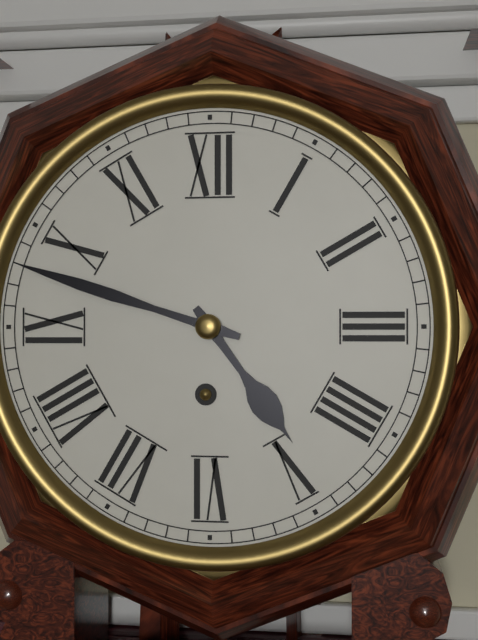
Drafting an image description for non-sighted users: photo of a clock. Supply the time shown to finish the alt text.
4:48
